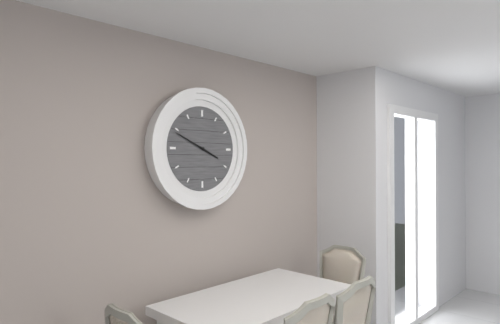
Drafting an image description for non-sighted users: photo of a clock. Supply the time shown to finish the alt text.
3:49
